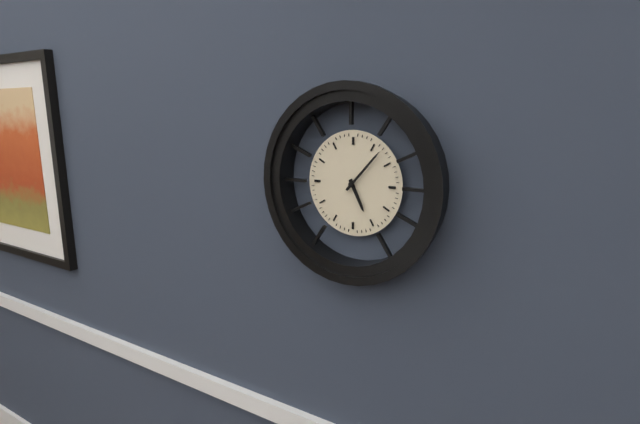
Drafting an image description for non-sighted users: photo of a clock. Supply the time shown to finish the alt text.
5:07
